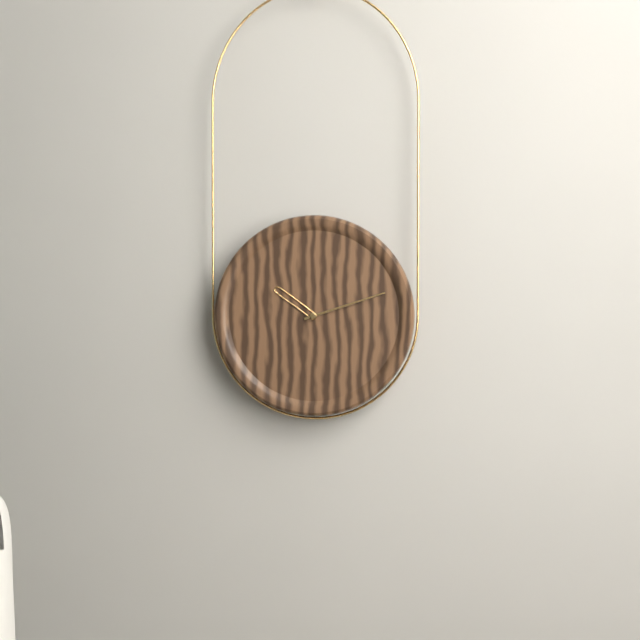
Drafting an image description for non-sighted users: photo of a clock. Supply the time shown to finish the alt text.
10:12
